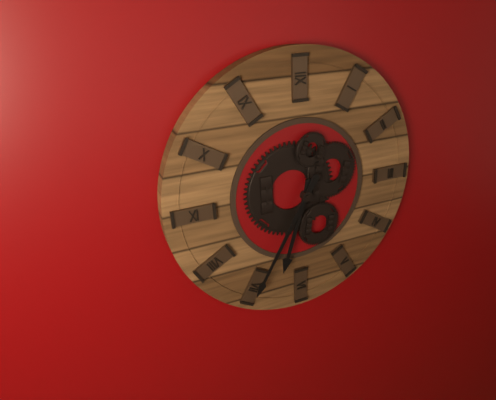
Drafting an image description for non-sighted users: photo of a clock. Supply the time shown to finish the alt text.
6:35
